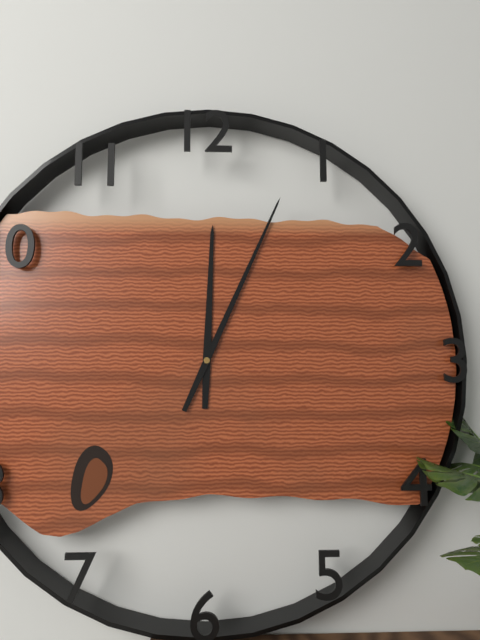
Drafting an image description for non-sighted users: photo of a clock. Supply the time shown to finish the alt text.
12:04
